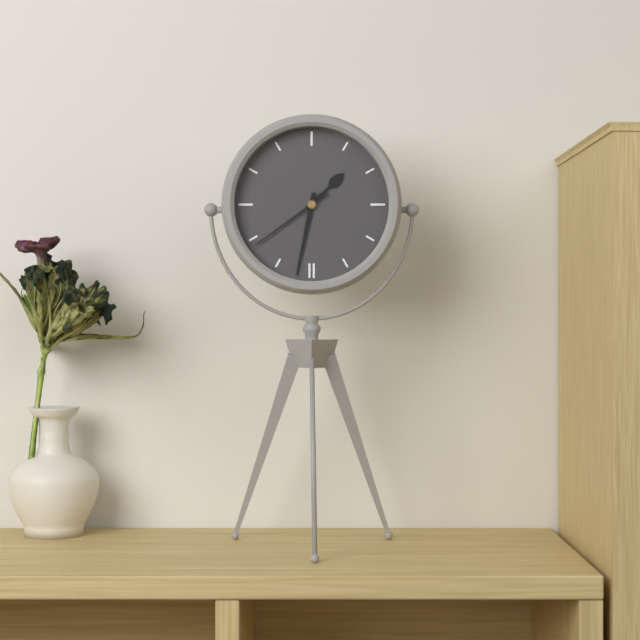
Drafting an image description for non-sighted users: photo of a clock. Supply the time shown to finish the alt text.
1:32:39
